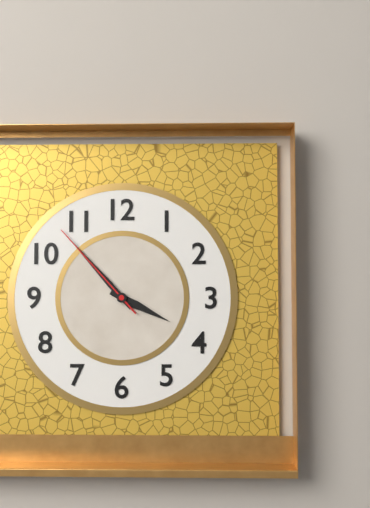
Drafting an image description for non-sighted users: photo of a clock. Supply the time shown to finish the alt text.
3:53:53
